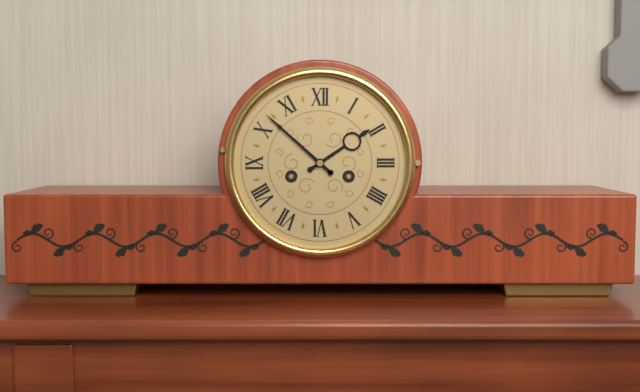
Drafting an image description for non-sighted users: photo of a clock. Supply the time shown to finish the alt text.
1:52
